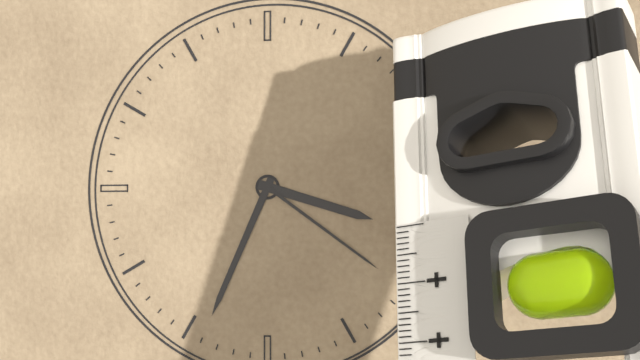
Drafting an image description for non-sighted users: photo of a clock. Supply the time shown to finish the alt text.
3:34:21
